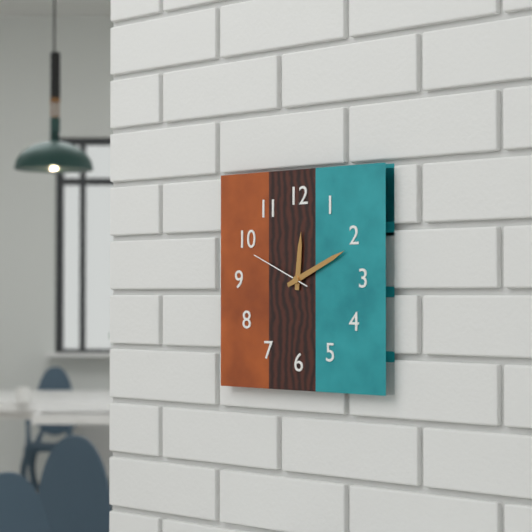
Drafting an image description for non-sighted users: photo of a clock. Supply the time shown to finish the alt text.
12:11:49
